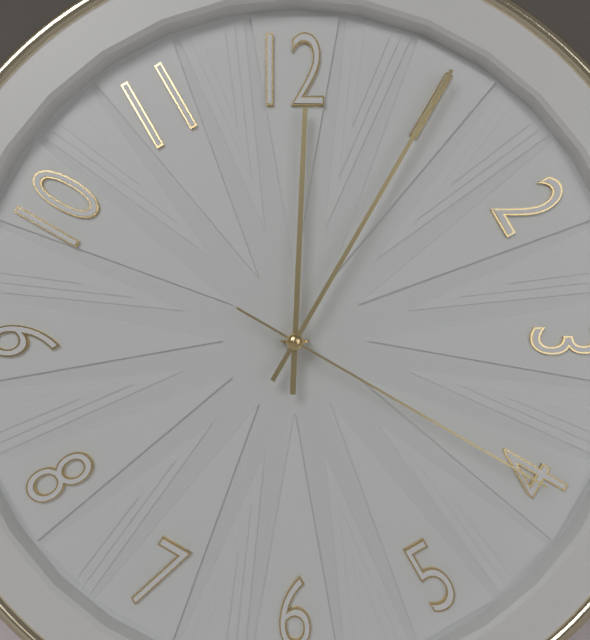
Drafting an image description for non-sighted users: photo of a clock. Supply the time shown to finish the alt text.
12:05:20
